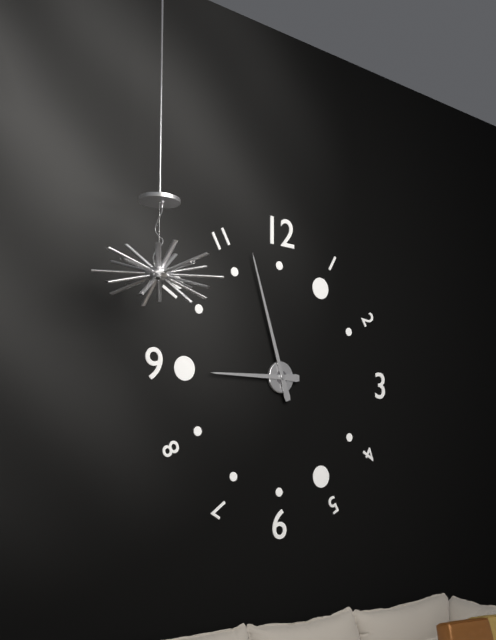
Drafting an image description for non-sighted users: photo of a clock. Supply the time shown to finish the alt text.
8:57
